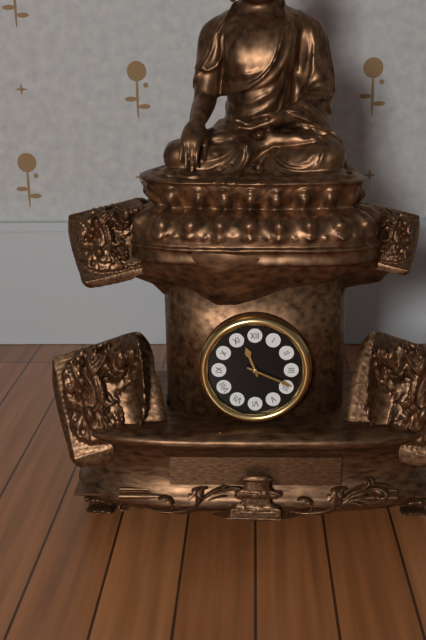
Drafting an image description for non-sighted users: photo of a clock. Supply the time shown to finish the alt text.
11:19
